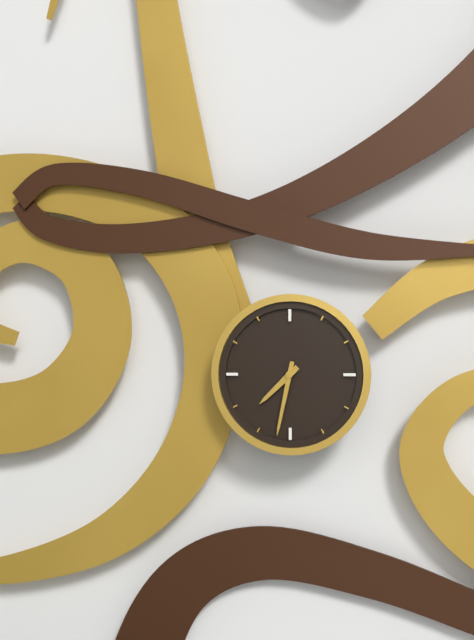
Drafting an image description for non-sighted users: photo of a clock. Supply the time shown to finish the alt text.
7:32
